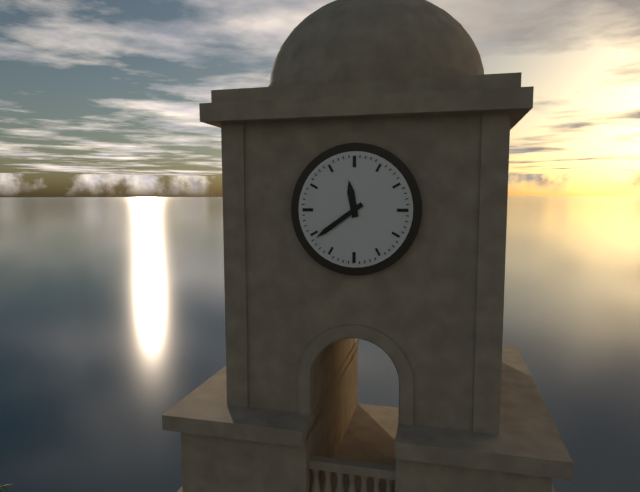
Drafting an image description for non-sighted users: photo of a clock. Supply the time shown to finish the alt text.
11:39
